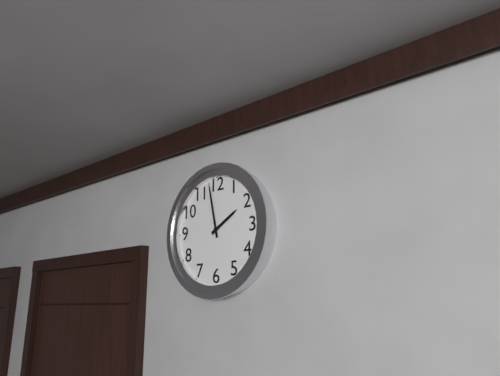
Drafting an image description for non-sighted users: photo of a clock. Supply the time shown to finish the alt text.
1:58
